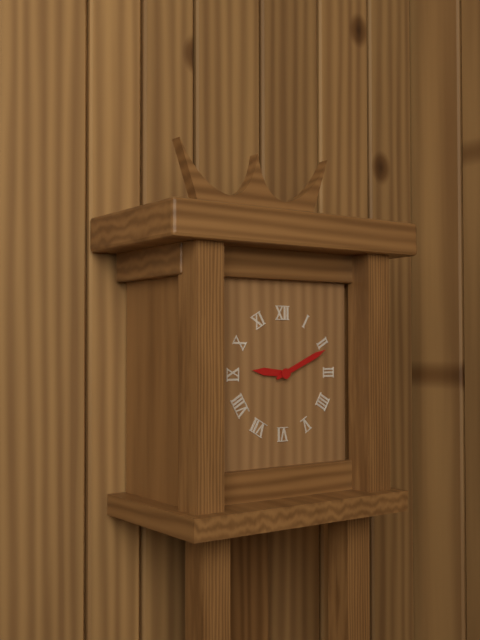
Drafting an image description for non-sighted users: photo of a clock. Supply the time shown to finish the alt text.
9:11
